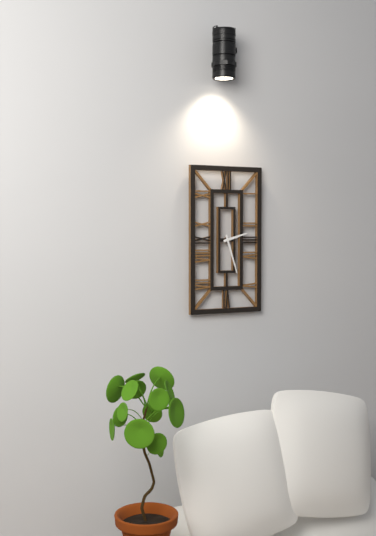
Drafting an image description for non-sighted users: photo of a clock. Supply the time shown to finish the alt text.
2:27
